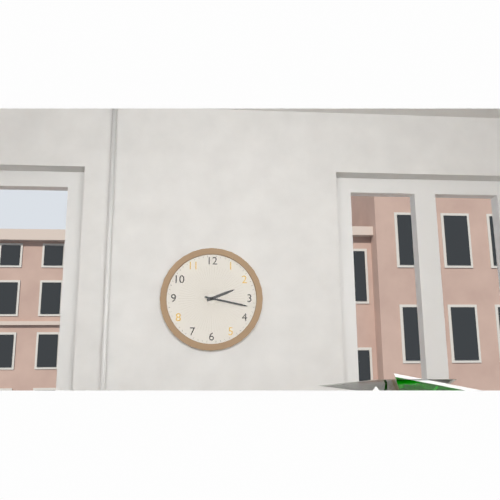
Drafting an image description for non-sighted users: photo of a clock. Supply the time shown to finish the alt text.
2:17
